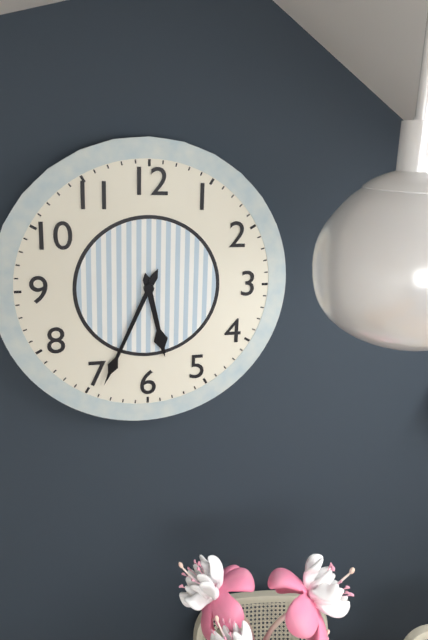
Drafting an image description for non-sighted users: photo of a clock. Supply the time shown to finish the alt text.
5:34
